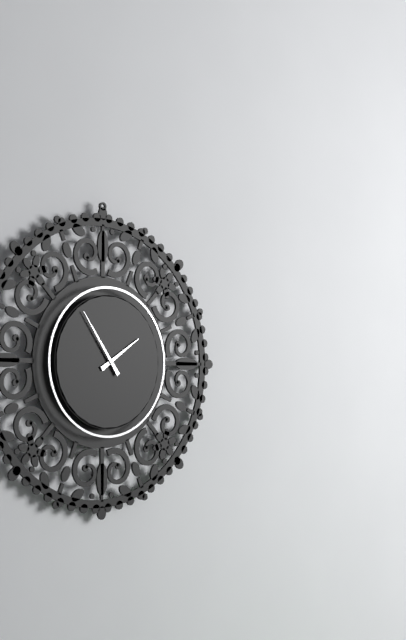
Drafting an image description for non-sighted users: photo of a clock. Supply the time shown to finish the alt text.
1:54
